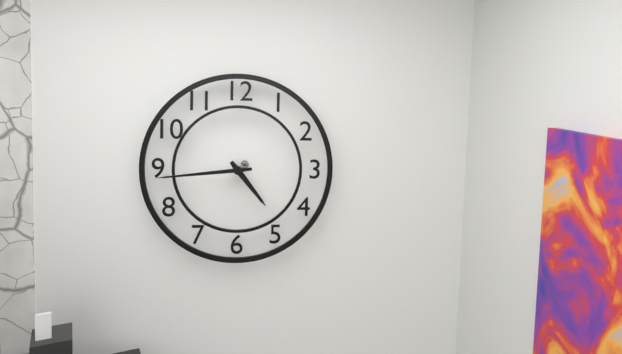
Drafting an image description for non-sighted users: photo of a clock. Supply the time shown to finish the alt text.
4:44
